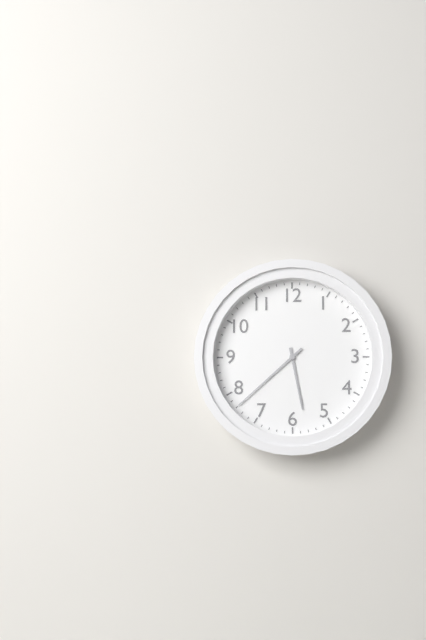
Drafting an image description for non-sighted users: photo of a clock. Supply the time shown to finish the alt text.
5:38
